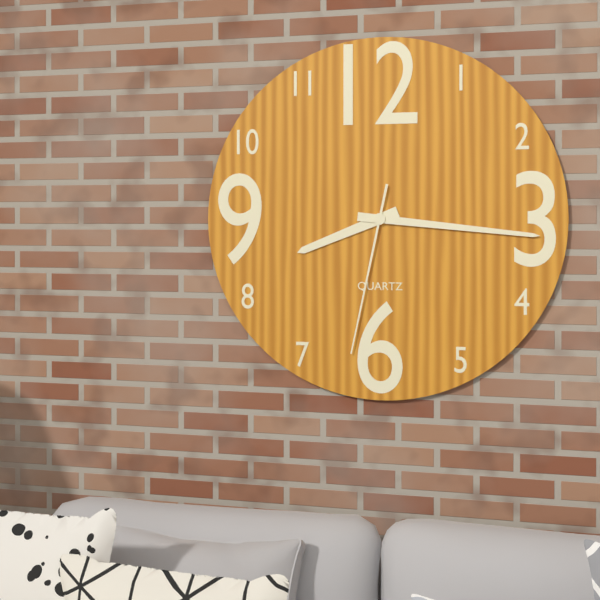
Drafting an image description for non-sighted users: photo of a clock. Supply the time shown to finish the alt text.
8:16:32
